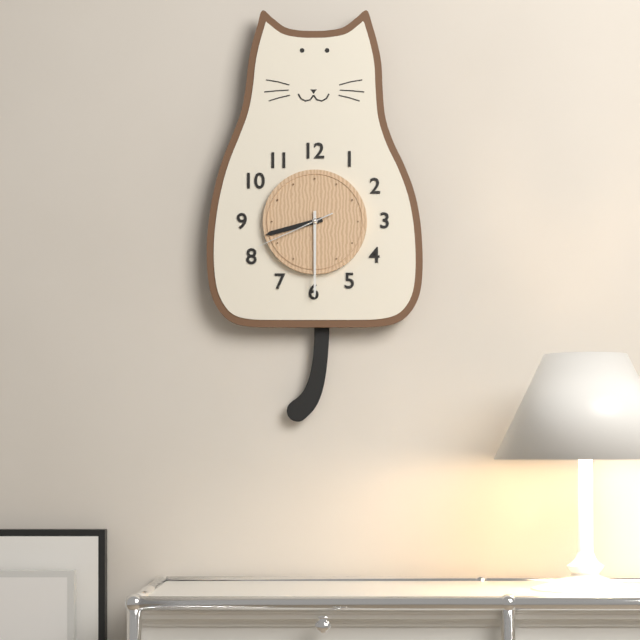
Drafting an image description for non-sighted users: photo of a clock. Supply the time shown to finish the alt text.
8:30:41
